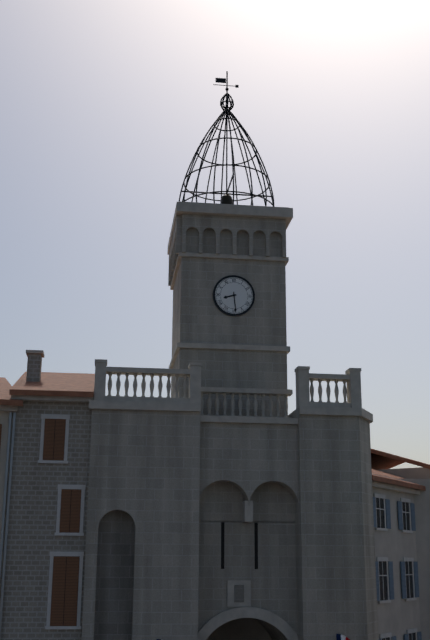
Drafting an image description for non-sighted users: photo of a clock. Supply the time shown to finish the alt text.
8:29
